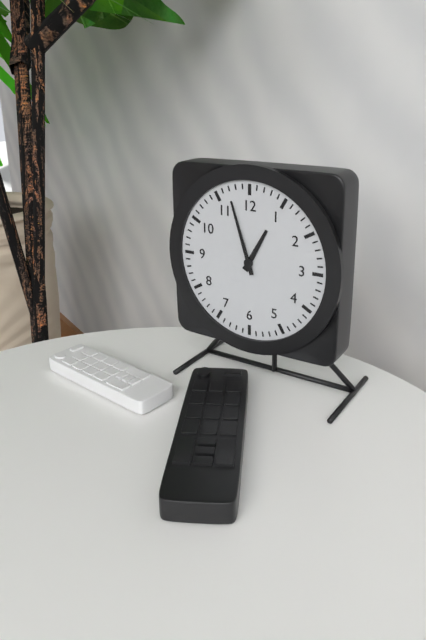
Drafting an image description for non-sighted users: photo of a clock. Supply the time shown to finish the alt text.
12:57
